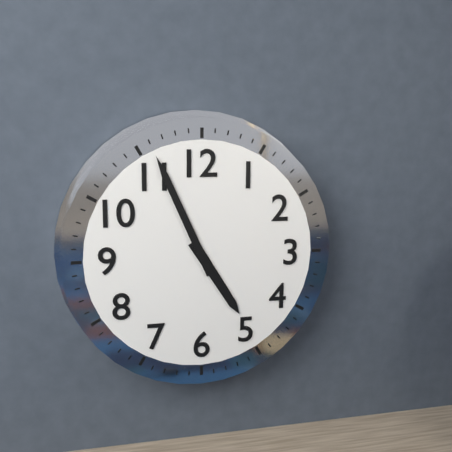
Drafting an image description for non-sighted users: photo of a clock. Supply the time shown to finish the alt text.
4:56
